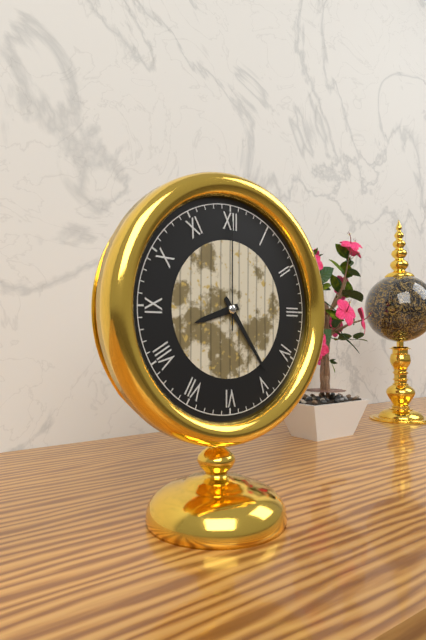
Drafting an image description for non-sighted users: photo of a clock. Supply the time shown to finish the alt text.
8:24:00
